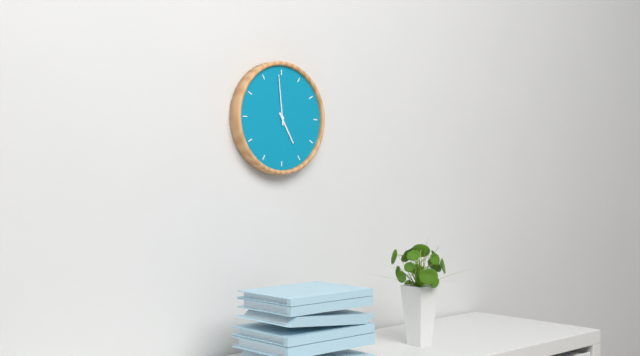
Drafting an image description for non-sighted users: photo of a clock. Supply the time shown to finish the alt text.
4:59
